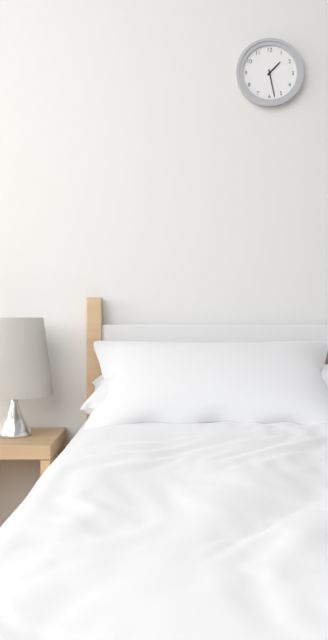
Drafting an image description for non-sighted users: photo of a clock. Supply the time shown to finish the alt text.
1:28
